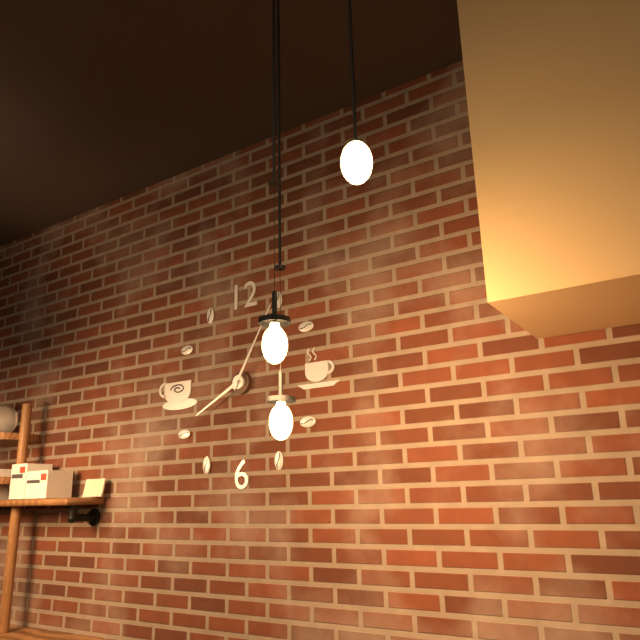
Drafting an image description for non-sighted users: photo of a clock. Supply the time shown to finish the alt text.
8:05
